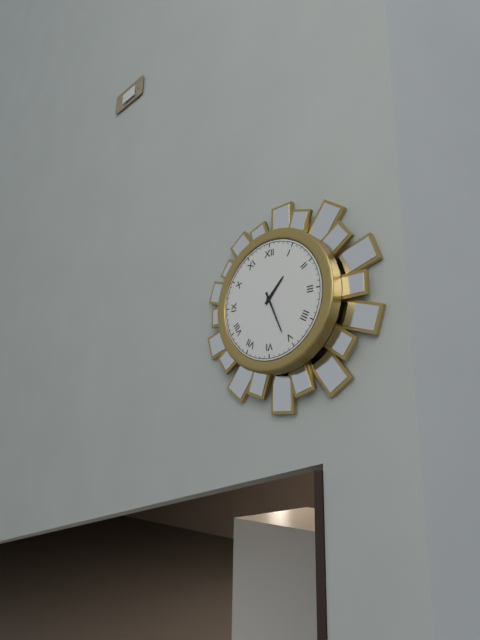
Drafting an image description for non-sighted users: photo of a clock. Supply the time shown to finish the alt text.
1:26
